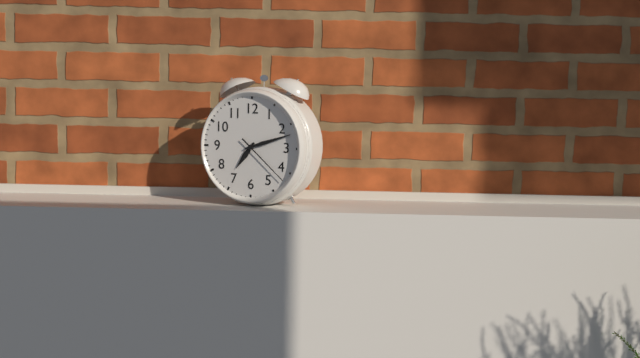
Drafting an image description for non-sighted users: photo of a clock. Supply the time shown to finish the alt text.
7:12:22
